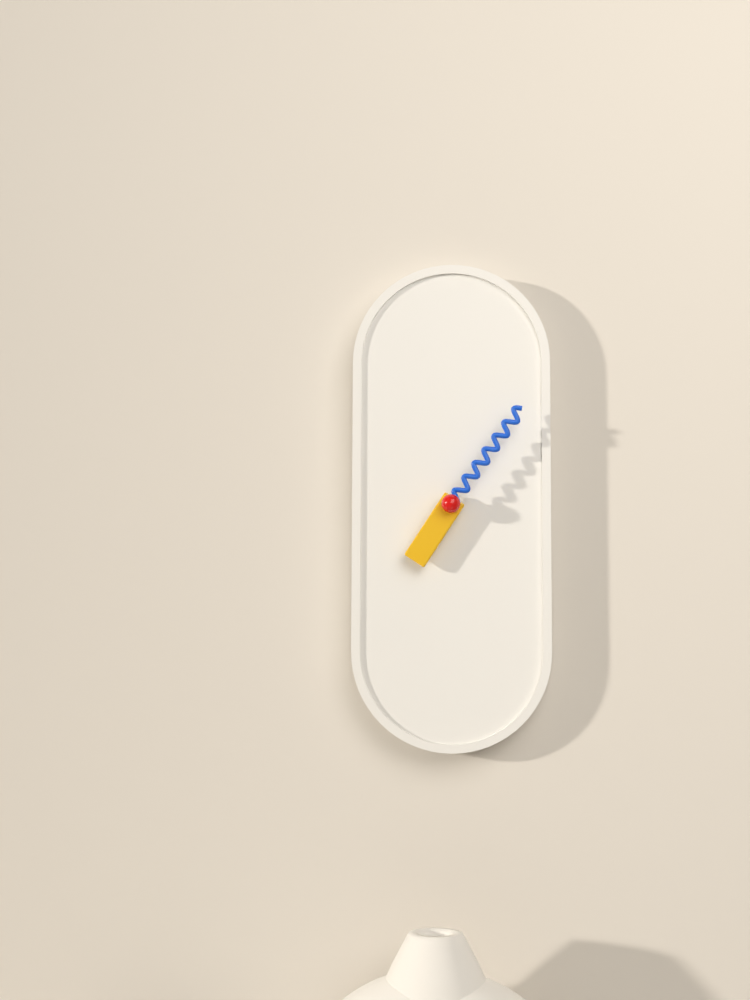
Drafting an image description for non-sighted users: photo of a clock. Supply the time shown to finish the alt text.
7:06
